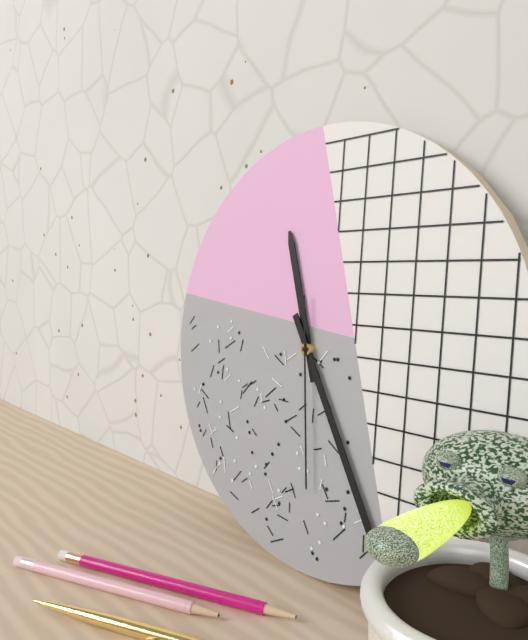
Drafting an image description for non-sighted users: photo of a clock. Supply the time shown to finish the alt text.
11:25:29
